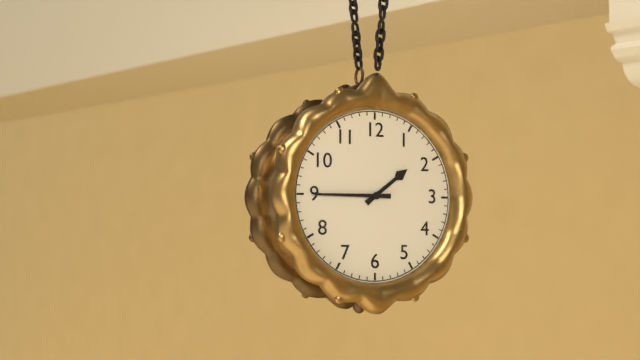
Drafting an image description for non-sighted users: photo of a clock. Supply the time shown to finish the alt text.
1:45
